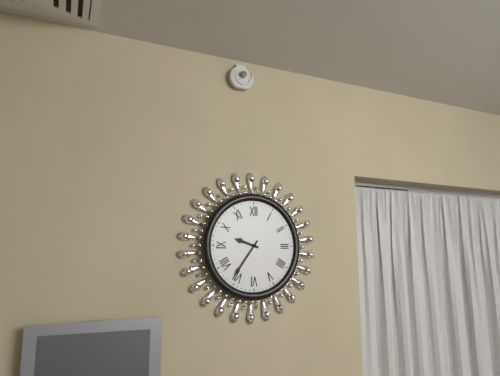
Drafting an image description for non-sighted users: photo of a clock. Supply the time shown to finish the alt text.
9:36
